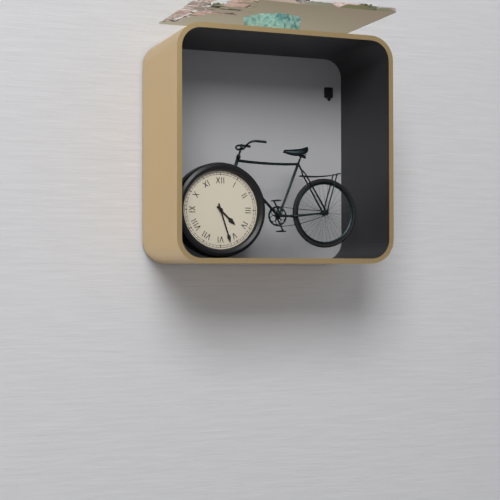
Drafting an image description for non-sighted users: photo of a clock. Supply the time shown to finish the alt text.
4:27
